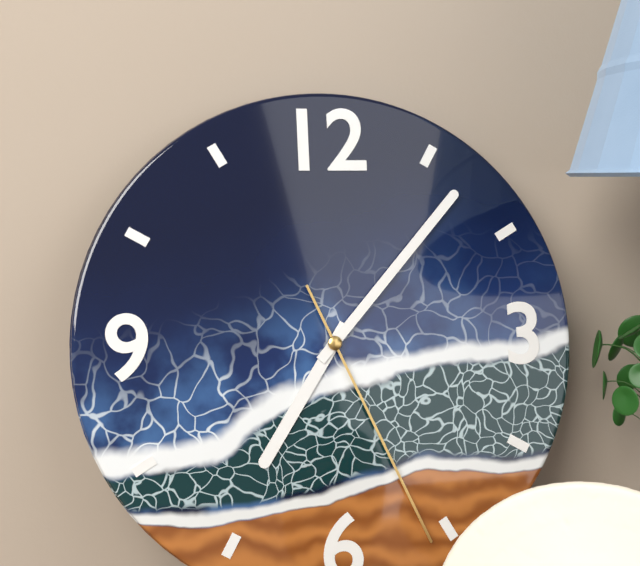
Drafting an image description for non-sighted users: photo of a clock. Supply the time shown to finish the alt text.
7:07:26
